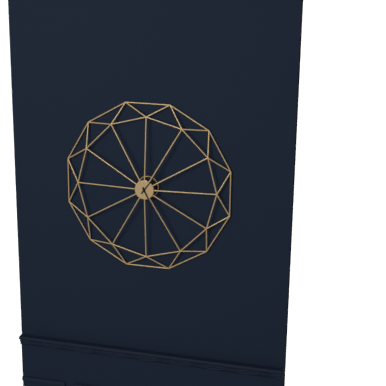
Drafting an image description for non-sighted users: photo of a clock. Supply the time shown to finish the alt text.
5:06
